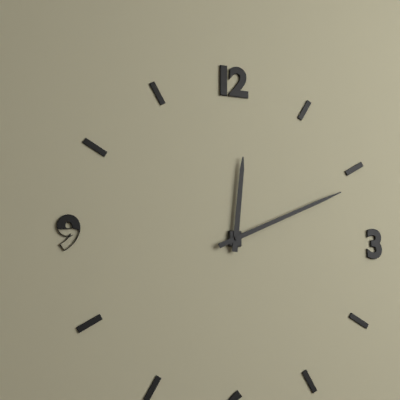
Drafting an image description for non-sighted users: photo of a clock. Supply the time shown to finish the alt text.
12:11
